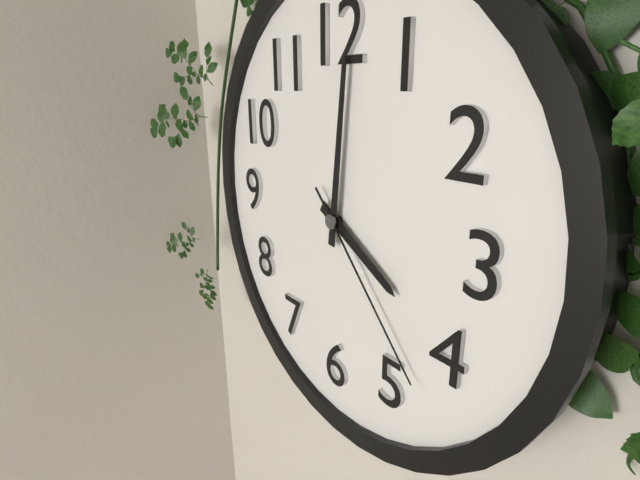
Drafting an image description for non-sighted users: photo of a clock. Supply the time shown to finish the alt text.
4:01:23
